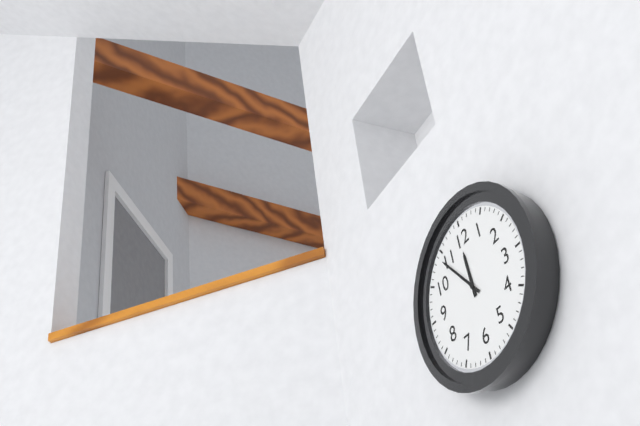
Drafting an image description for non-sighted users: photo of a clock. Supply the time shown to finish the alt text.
11:54
